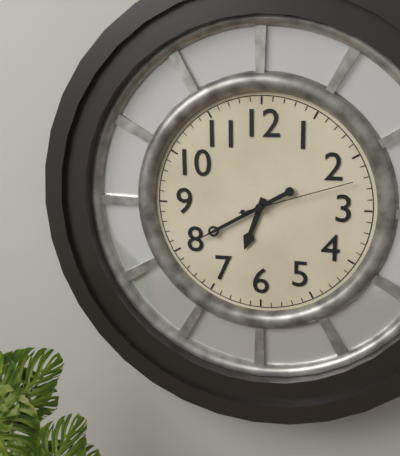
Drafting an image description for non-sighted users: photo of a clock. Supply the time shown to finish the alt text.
6:40:12
